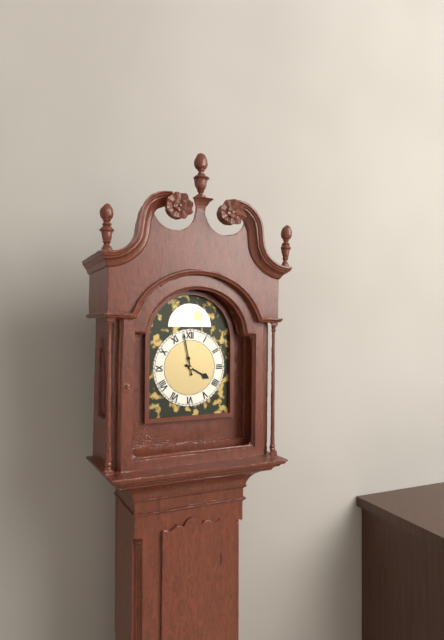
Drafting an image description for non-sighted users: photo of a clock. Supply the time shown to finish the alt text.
3:58
